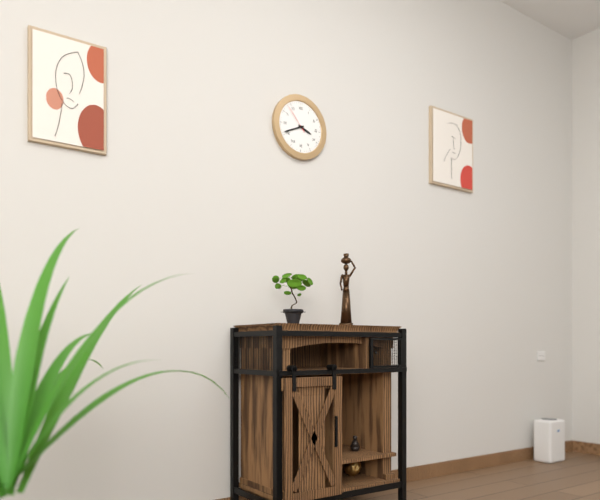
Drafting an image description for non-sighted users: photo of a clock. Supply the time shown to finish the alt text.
3:41
